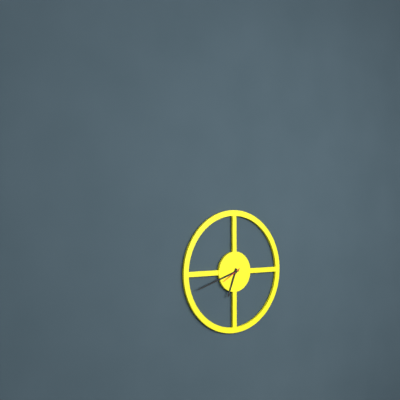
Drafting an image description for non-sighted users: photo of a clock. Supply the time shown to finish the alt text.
6:42
